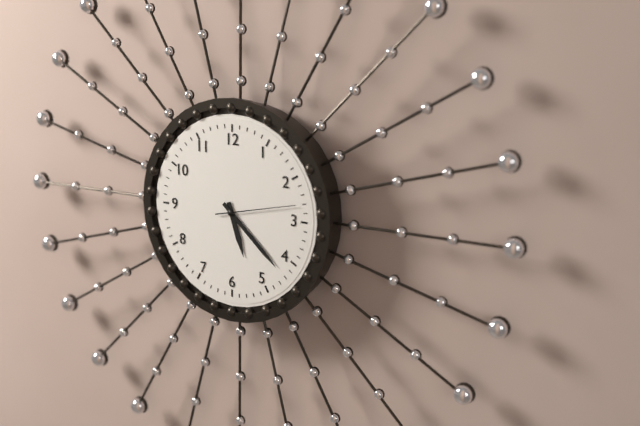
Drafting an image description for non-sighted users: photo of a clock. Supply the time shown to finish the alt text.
5:22:13
